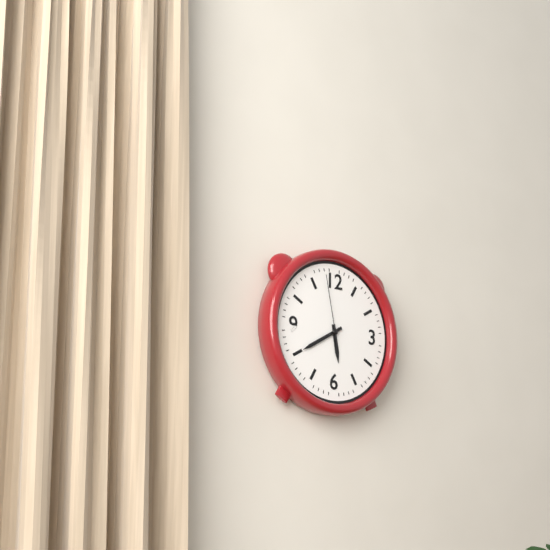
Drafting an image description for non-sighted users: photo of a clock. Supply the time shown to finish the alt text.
5:40:58
